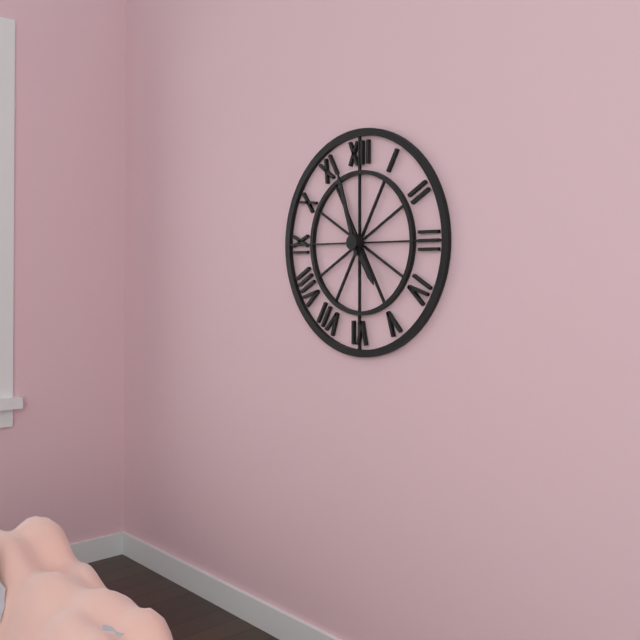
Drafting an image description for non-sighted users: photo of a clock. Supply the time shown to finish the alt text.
4:57
